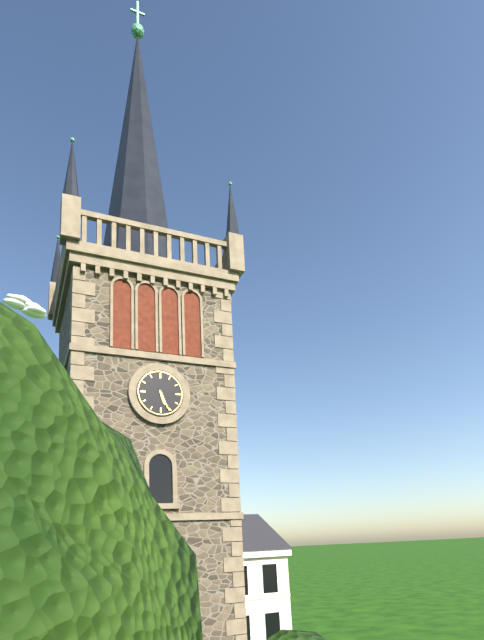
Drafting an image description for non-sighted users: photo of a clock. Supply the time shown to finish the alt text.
5:26
